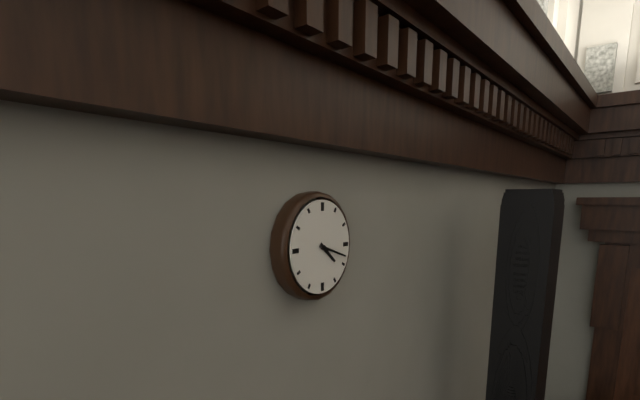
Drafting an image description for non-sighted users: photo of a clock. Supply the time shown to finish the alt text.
4:18
